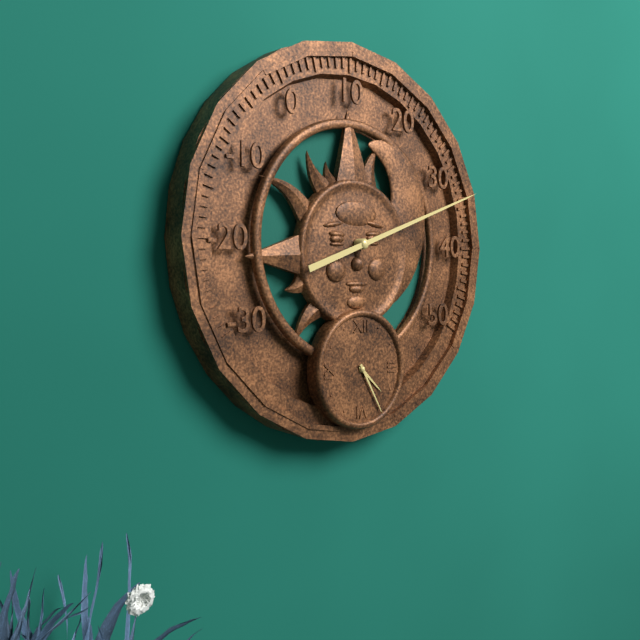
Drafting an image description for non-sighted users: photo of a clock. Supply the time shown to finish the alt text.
4:25
